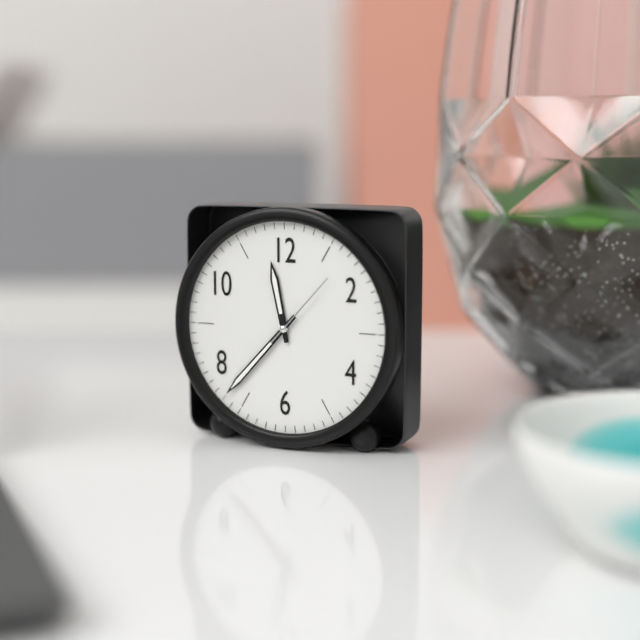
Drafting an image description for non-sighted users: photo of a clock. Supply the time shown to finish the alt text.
11:37:07
